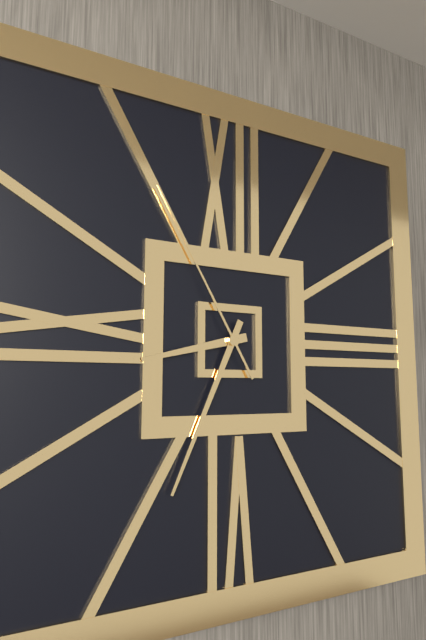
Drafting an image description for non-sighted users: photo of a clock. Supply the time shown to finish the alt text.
8:34:55
